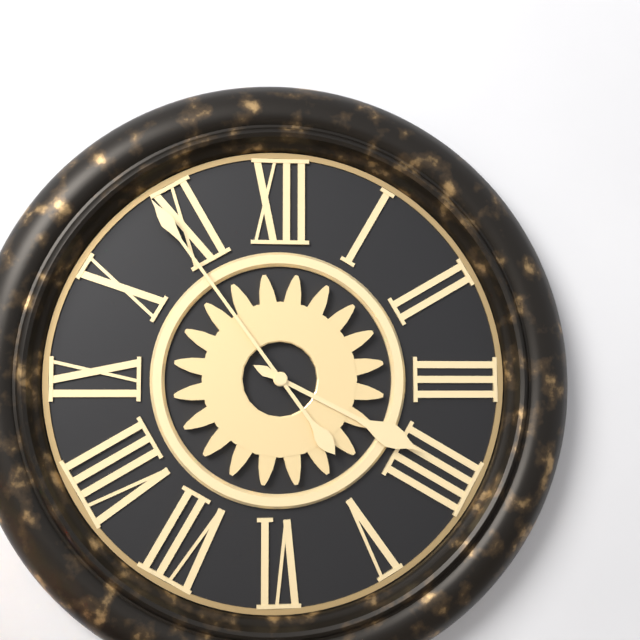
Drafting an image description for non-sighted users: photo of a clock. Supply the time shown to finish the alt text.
3:54
